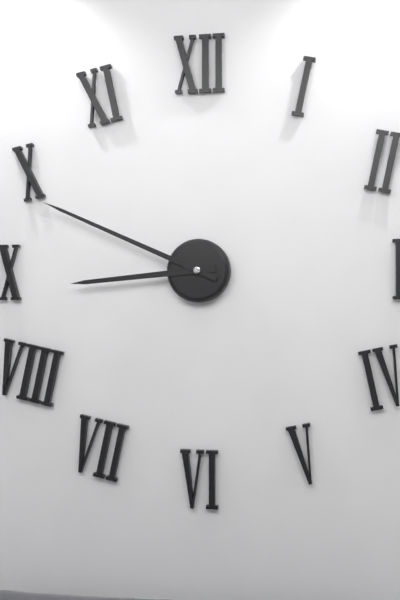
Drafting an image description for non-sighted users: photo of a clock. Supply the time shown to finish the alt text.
8:49
